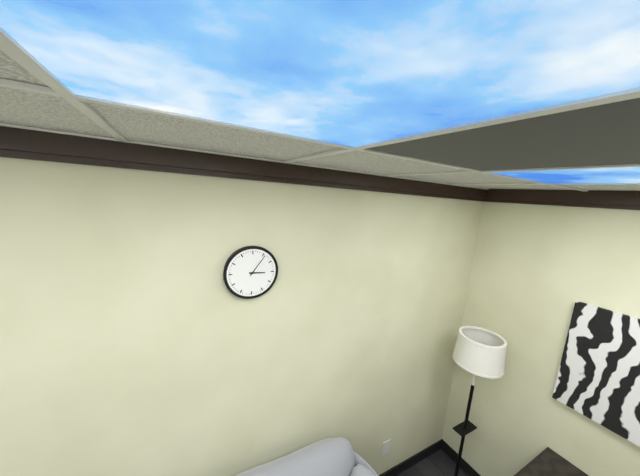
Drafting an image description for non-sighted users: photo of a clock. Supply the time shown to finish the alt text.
3:06
